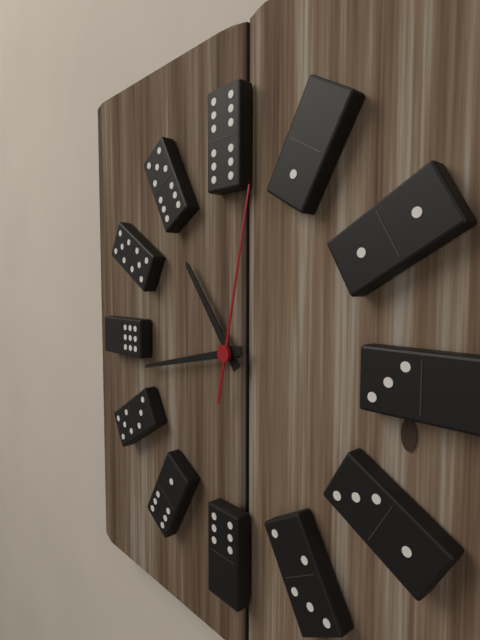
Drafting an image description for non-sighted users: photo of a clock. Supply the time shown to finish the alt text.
10:43:02
